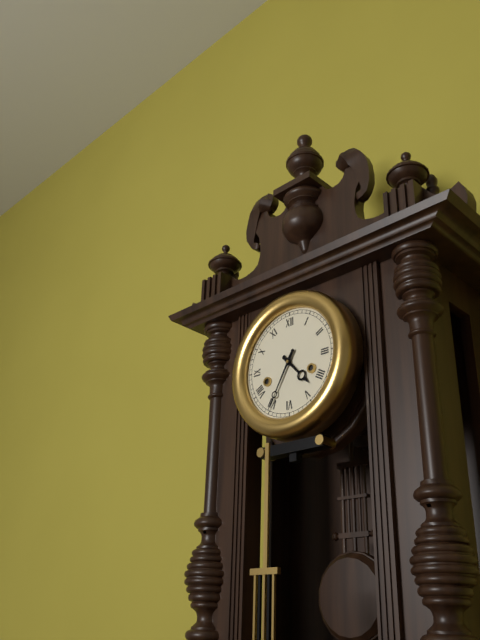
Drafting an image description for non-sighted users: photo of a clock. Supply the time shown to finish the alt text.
4:35
